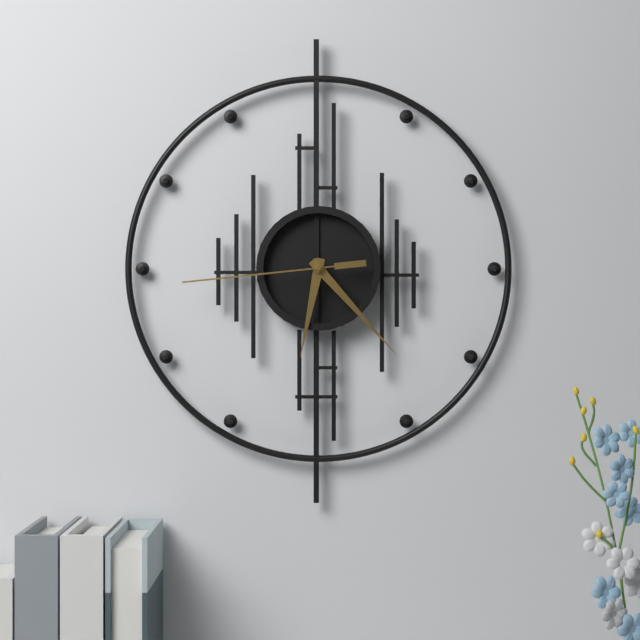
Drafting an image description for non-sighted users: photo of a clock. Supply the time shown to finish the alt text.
6:23:44
